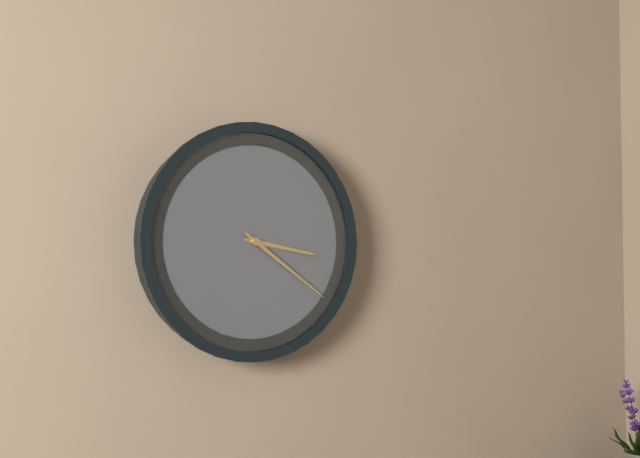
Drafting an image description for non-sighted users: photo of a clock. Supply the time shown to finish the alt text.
3:21
